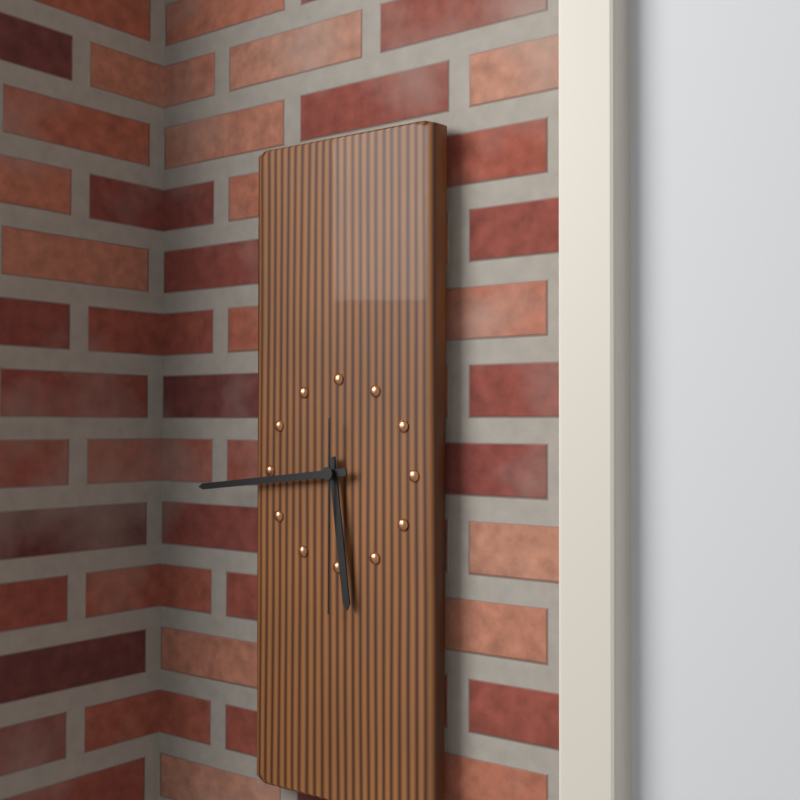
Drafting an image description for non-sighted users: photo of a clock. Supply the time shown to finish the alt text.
5:44:30
